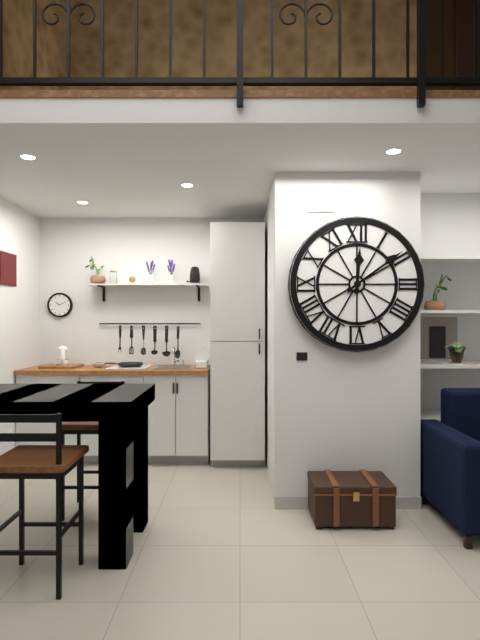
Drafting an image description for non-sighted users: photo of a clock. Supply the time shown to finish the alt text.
12:09
